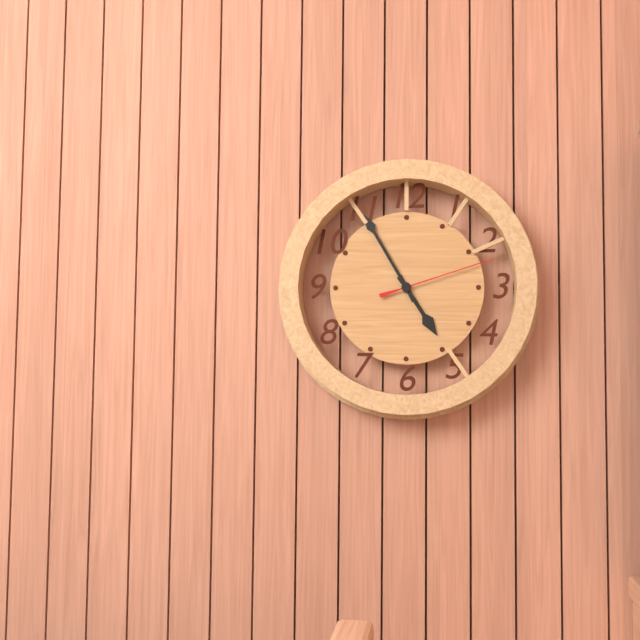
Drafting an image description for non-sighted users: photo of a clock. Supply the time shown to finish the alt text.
4:55:12
